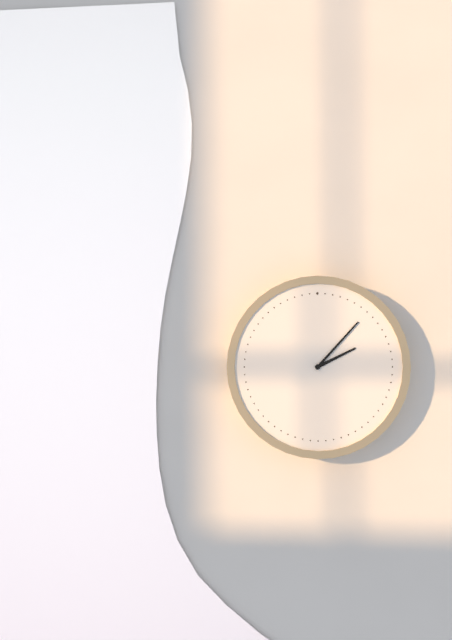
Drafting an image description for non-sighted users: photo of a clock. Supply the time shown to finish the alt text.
2:07
